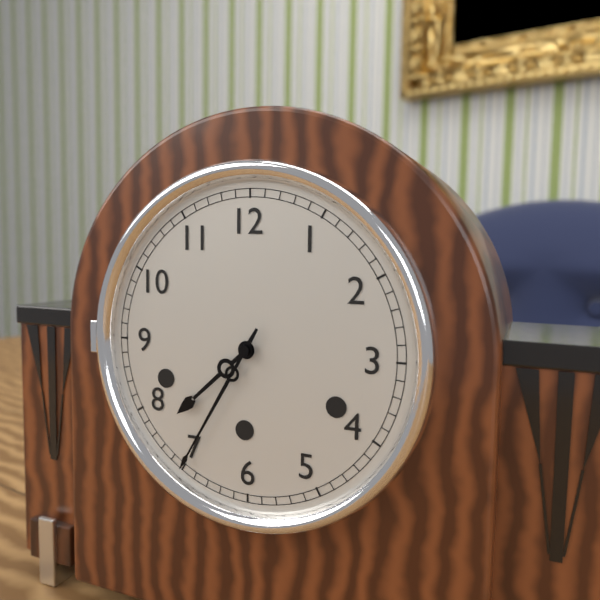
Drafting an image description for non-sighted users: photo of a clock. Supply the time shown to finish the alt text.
7:35
